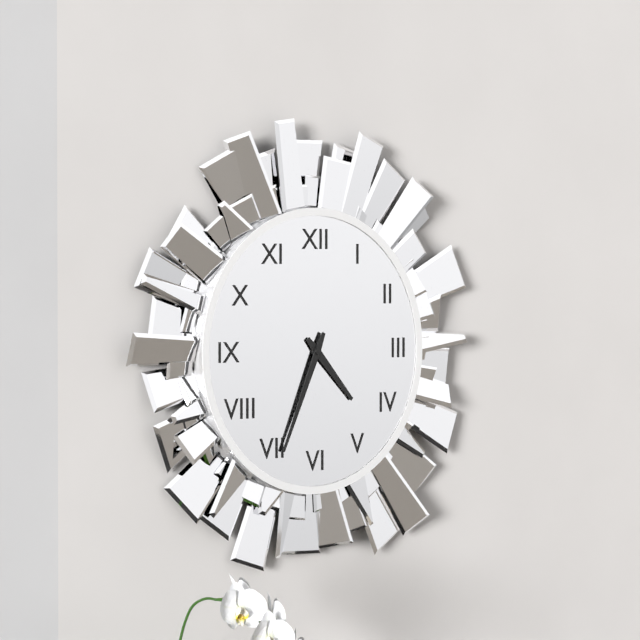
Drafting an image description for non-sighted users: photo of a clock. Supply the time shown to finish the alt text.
4:34
